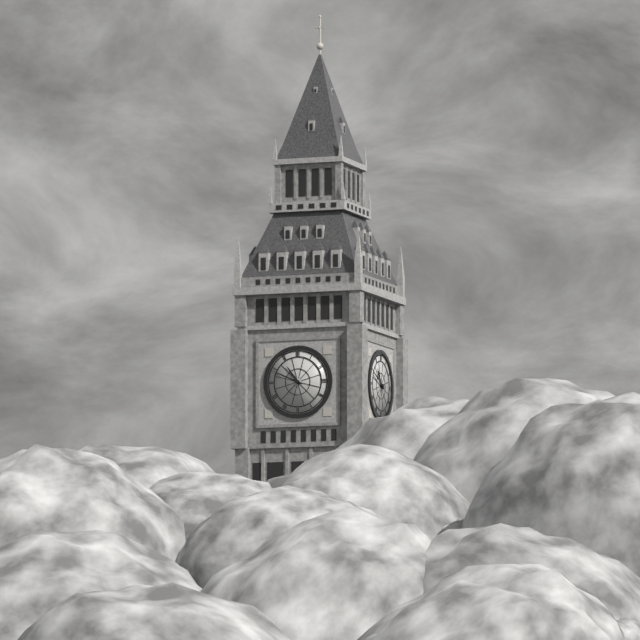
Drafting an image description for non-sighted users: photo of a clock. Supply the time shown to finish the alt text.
10:49
